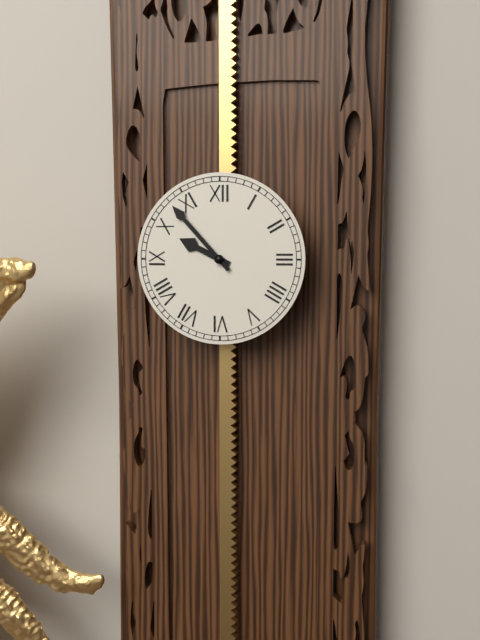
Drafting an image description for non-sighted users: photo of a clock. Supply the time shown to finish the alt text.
9:53
